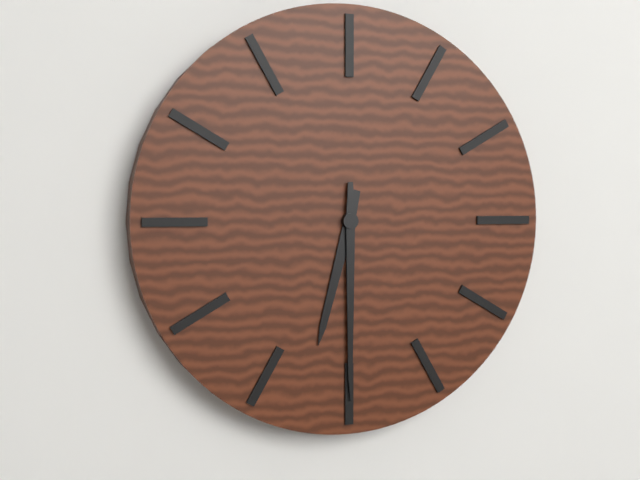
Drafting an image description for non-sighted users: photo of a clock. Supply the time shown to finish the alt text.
6:30
